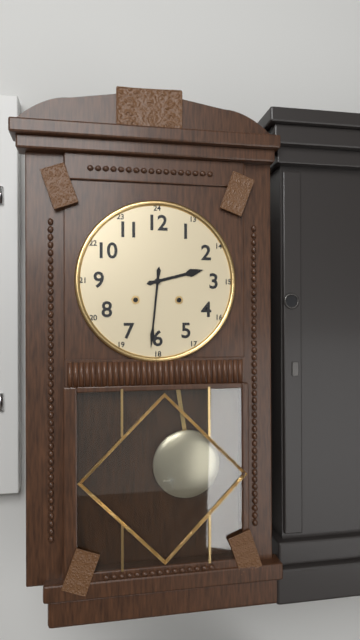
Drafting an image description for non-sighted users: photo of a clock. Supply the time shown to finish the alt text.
2:31
